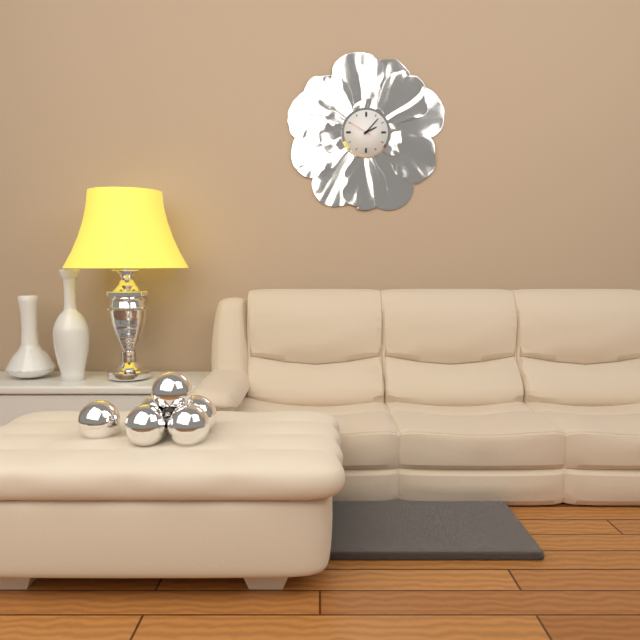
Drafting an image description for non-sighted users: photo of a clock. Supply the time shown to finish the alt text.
2:07
